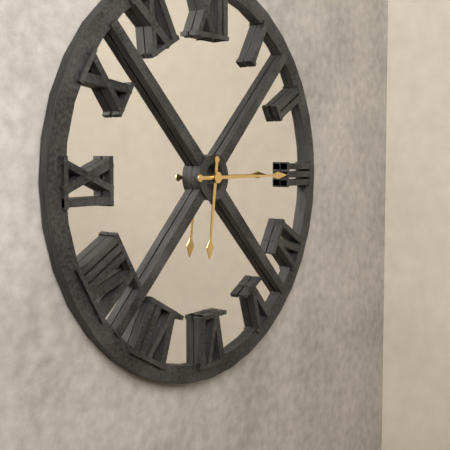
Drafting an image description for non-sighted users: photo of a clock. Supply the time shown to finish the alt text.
6:15
